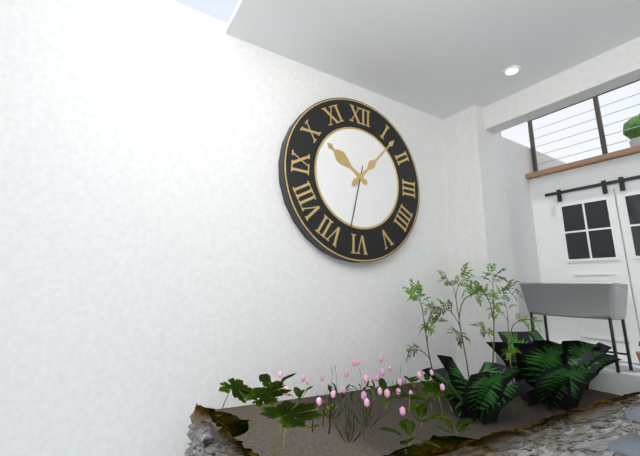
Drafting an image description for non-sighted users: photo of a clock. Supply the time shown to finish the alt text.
10:07:32
